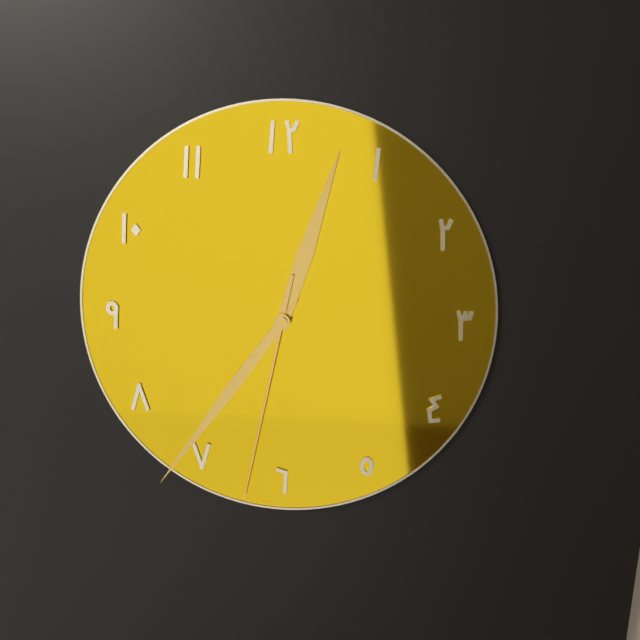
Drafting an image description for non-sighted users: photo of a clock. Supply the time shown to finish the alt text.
12:36:32
